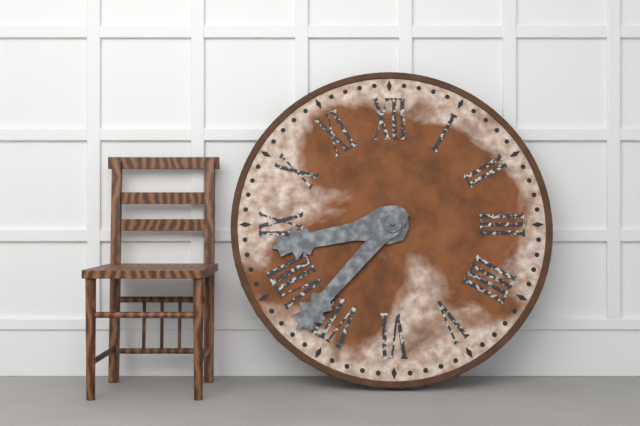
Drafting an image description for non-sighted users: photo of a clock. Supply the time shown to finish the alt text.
8:37
